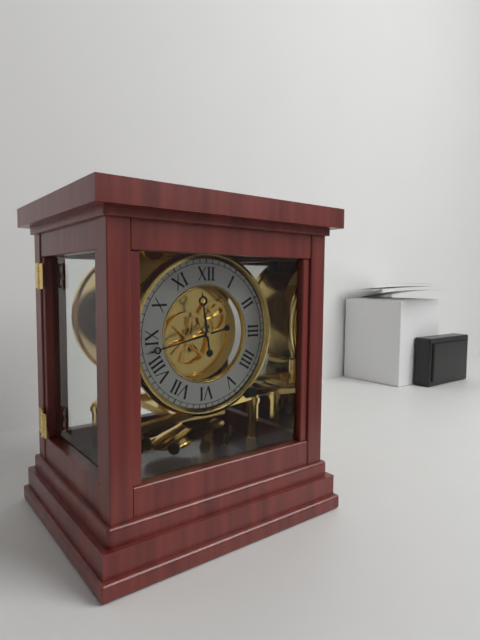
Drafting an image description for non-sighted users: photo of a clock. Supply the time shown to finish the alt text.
11:43
